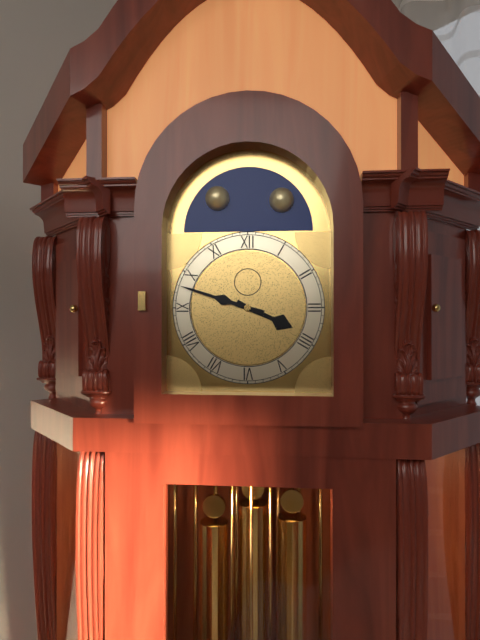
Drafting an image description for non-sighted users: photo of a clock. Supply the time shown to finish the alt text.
3:48
